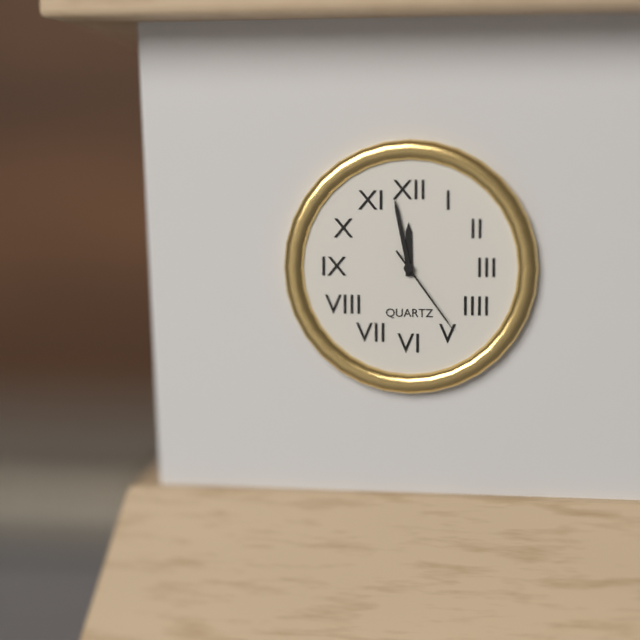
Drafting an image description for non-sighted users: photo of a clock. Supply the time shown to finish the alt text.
11:58:24
